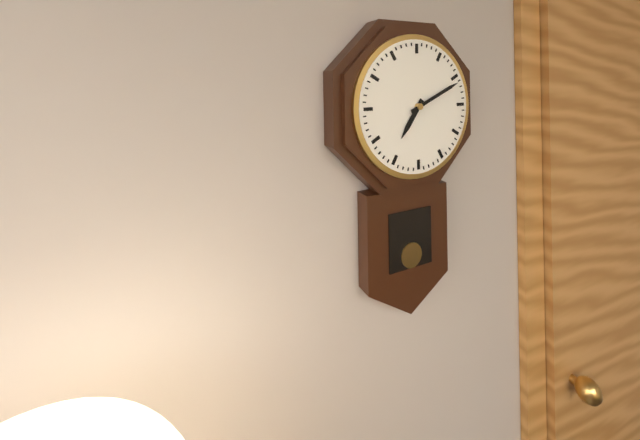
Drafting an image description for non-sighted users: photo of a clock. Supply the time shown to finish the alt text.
7:11
